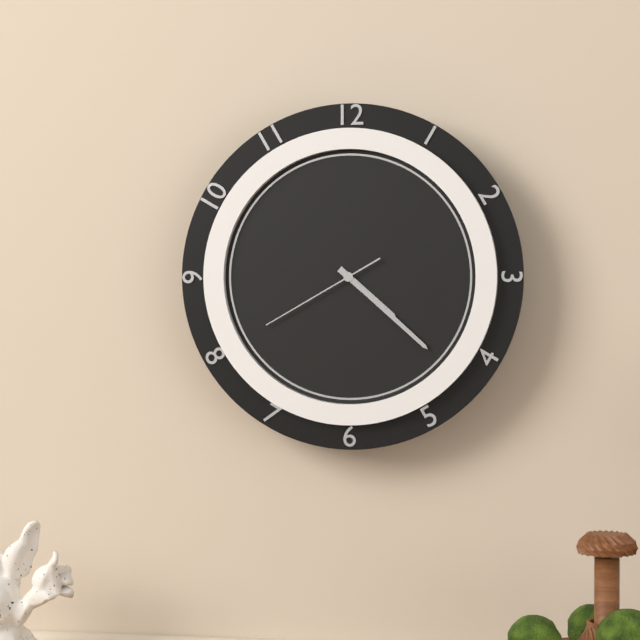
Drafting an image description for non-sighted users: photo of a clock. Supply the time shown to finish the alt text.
4:22:40
